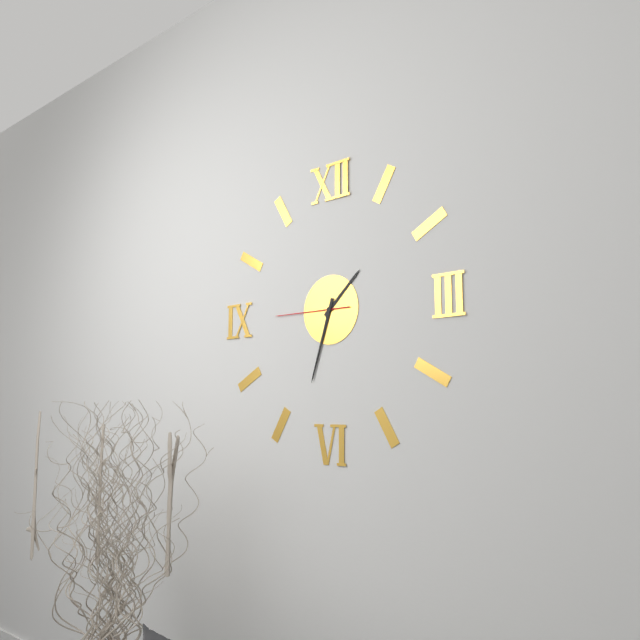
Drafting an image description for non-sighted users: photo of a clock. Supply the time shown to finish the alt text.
1:33:45
